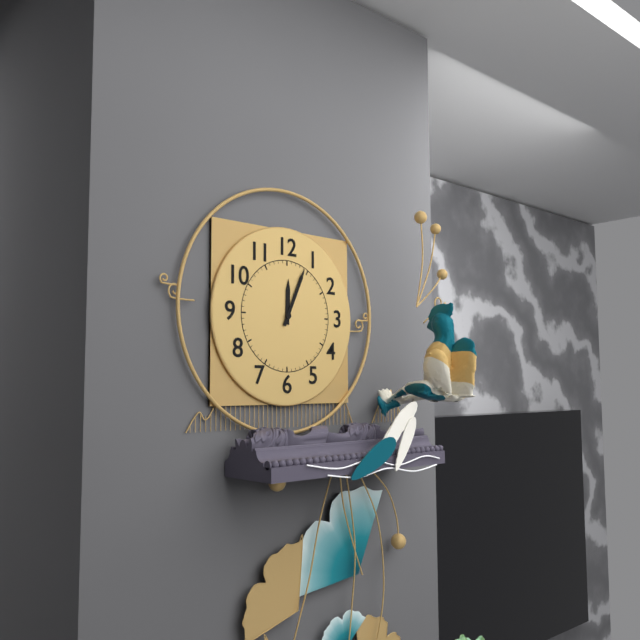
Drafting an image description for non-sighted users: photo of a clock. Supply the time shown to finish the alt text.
12:04
